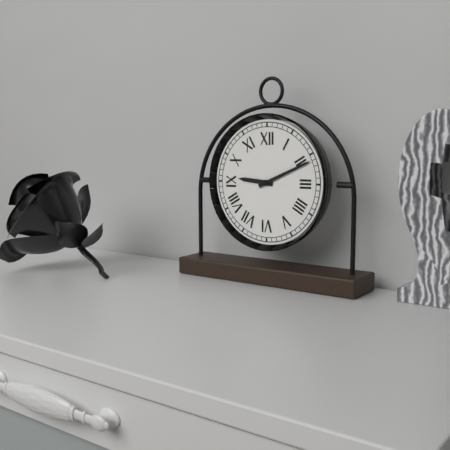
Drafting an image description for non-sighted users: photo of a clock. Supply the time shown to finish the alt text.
9:11
